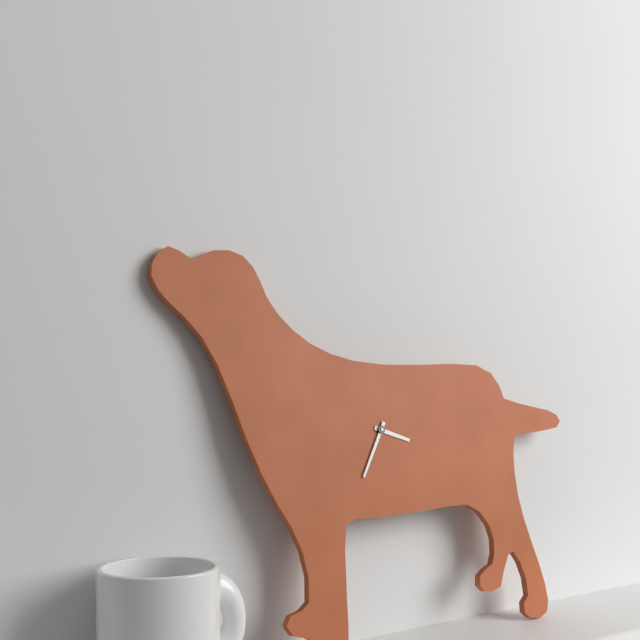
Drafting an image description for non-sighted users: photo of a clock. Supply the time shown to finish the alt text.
3:35
